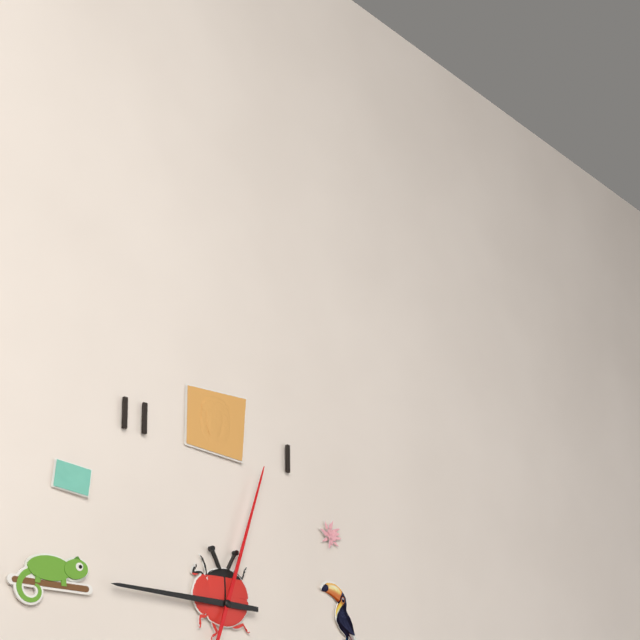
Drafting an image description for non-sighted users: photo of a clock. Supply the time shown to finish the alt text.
9:03
